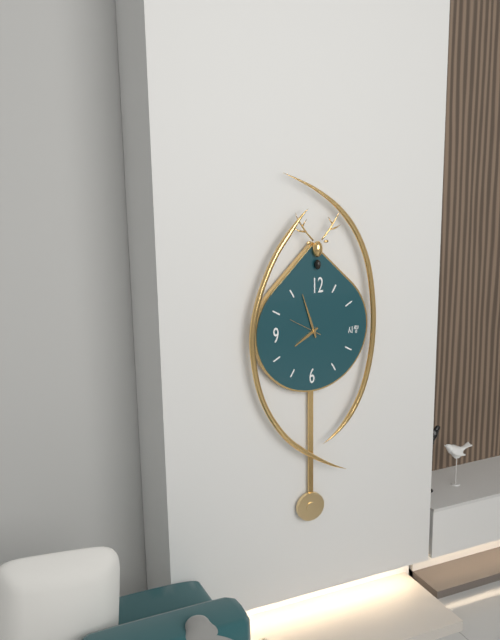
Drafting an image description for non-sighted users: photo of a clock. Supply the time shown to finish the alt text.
7:57
